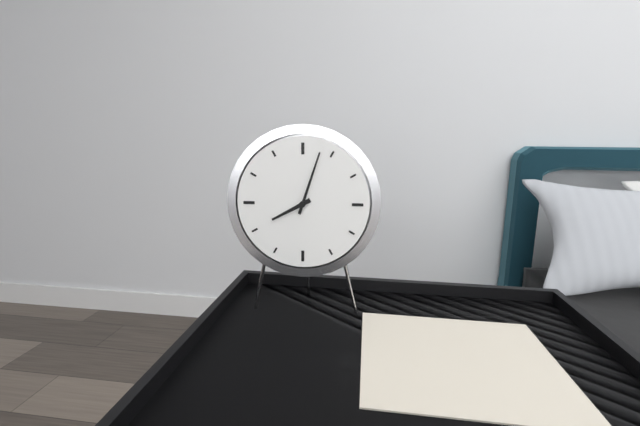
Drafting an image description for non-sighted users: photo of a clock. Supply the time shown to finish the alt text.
8:03
